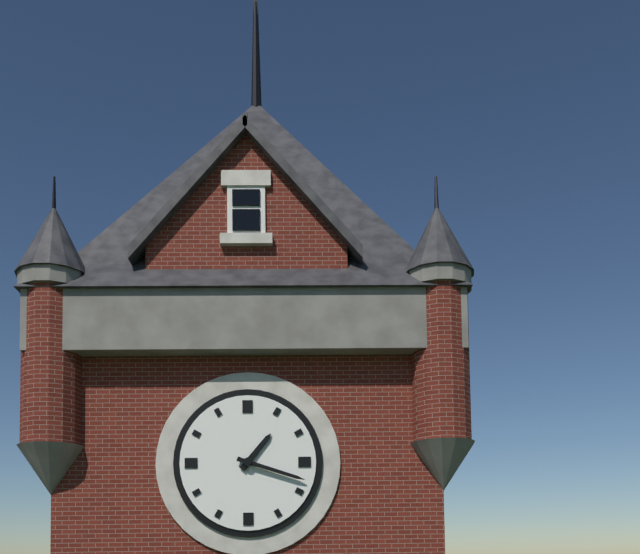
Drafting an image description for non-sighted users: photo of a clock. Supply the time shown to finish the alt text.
1:18
